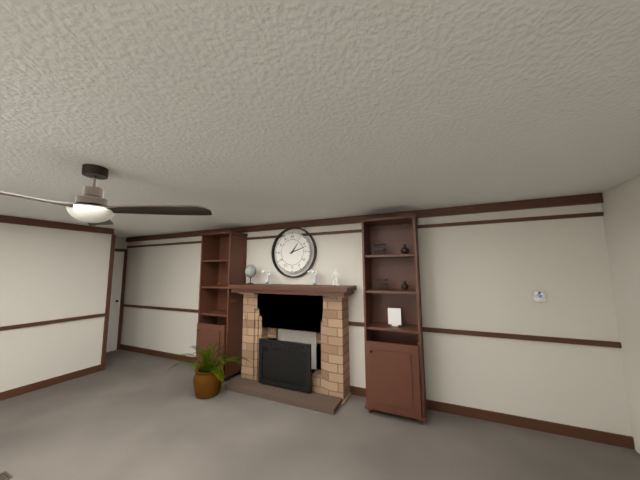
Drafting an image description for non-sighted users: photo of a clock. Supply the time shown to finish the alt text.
1:12
